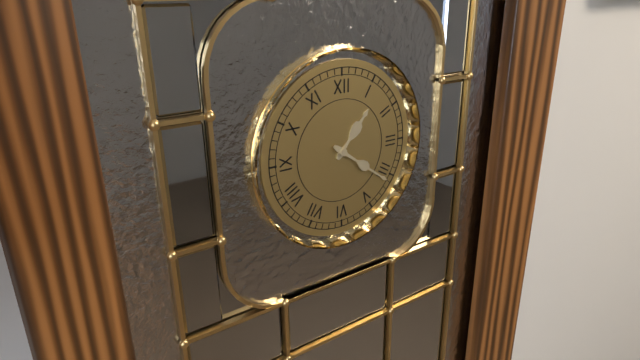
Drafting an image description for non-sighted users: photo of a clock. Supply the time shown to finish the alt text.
1:21
